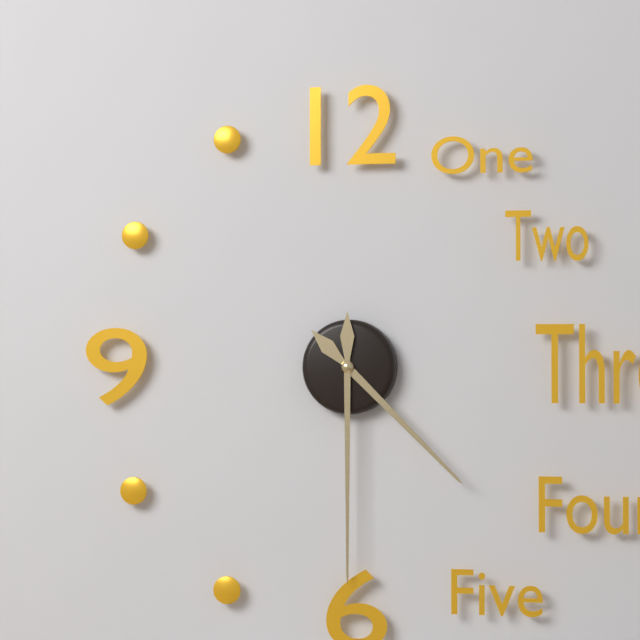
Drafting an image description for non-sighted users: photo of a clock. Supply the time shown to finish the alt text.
4:30
